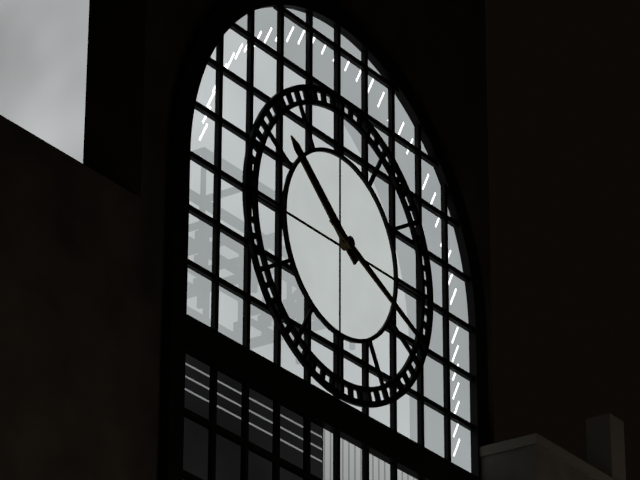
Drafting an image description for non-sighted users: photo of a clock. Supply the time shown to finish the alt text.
10:19
